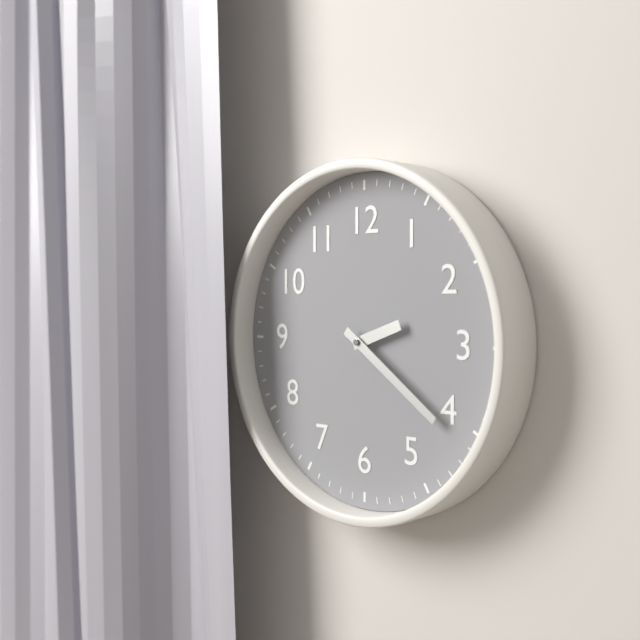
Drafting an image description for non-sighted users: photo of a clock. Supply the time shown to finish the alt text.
2:21
